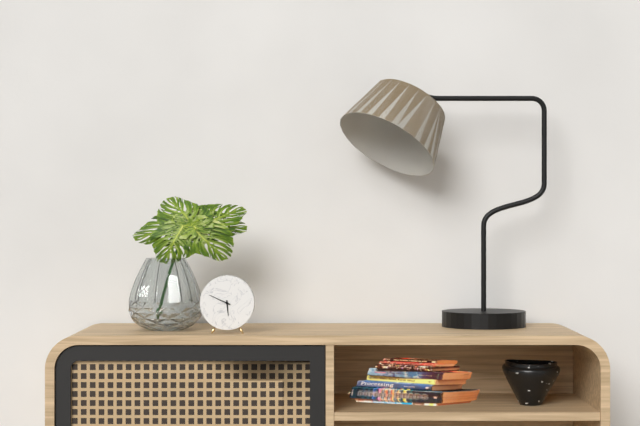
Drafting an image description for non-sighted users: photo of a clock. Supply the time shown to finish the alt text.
5:49
